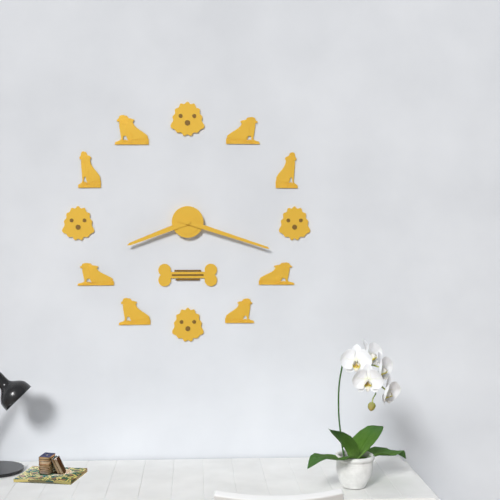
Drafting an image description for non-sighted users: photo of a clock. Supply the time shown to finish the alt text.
8:18
